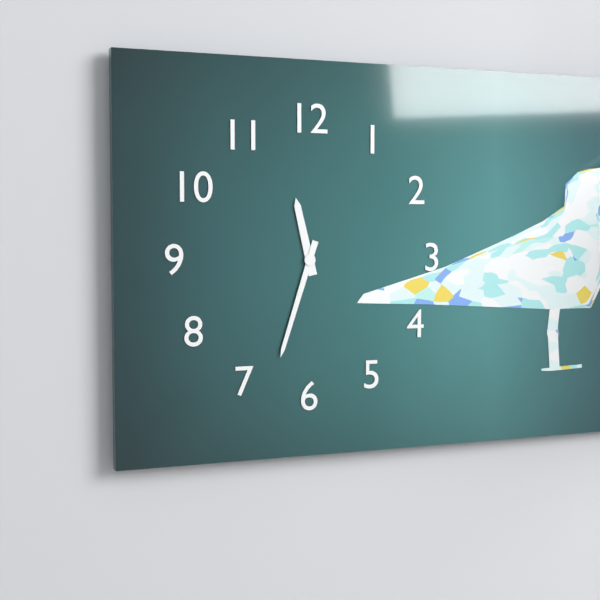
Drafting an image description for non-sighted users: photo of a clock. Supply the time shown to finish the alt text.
11:33
